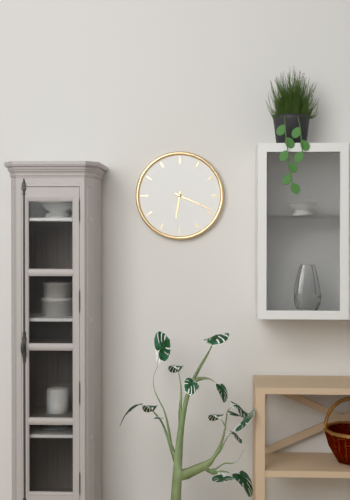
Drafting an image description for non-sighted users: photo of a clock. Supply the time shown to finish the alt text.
6:19
